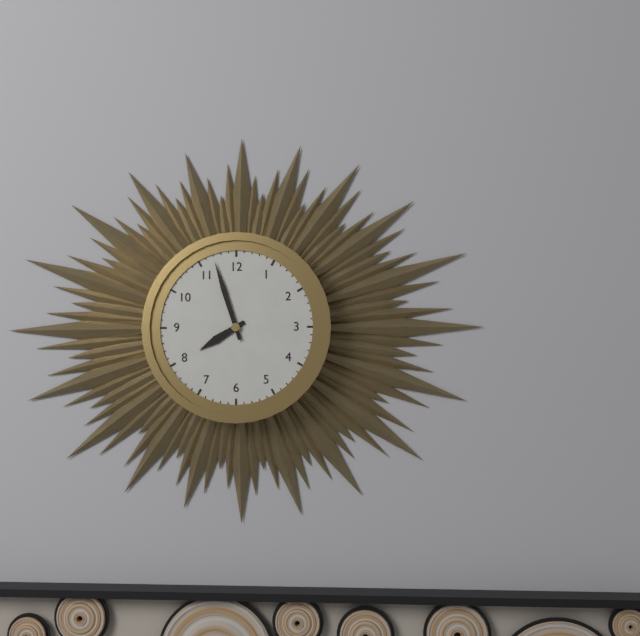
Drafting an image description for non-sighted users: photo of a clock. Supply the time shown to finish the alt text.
7:57
